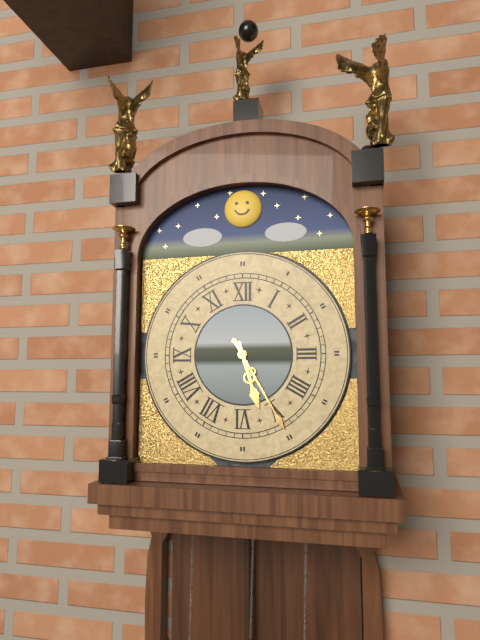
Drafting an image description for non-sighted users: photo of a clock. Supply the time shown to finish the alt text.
5:25
